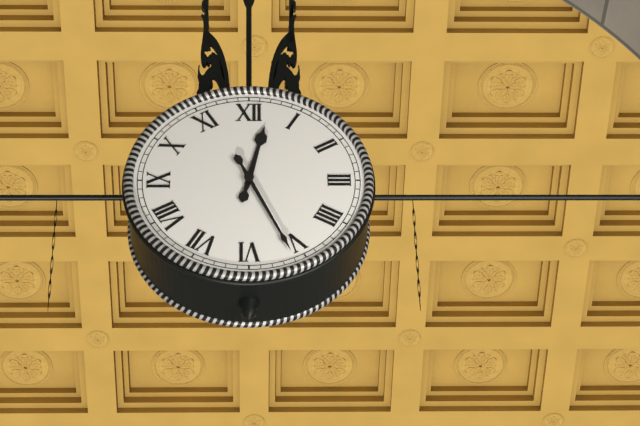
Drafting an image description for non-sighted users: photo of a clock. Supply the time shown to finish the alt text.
12:26
